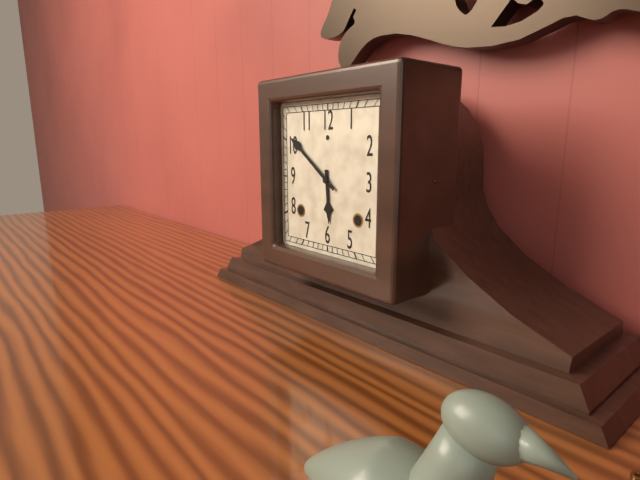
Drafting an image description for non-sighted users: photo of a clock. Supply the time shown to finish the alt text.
5:51
